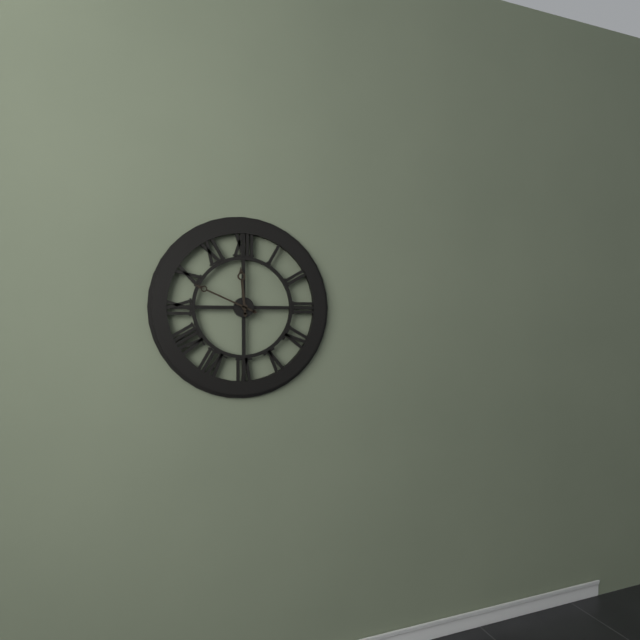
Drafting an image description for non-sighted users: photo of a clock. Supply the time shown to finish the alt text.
11:49
